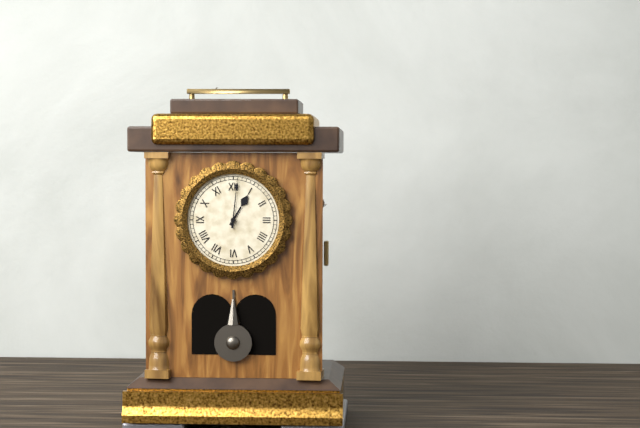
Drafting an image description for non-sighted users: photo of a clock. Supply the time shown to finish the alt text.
1:01
